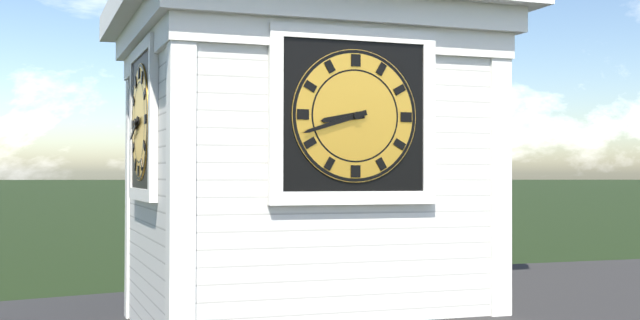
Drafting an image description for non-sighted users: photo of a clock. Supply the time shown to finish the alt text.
8:42
